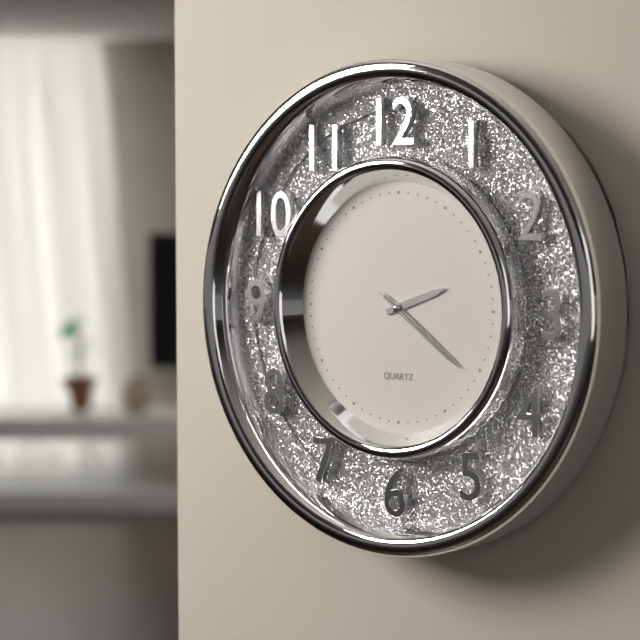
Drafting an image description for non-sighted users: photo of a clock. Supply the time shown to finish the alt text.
2:21:21
